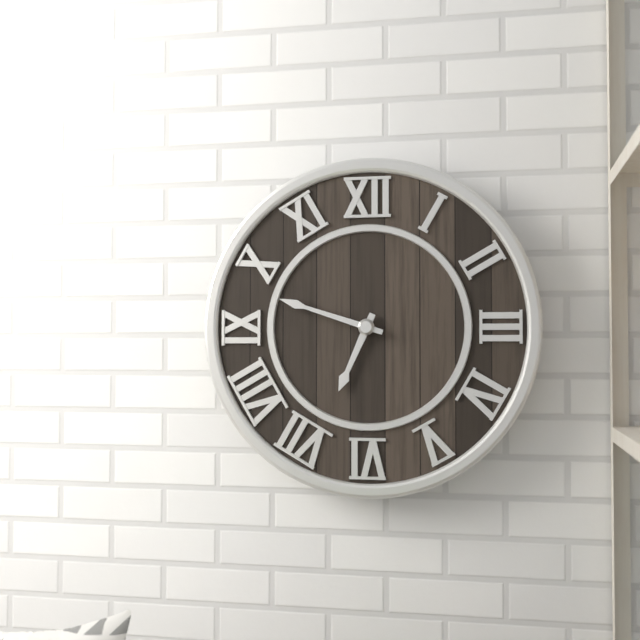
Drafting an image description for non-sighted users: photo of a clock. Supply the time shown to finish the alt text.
6:48
